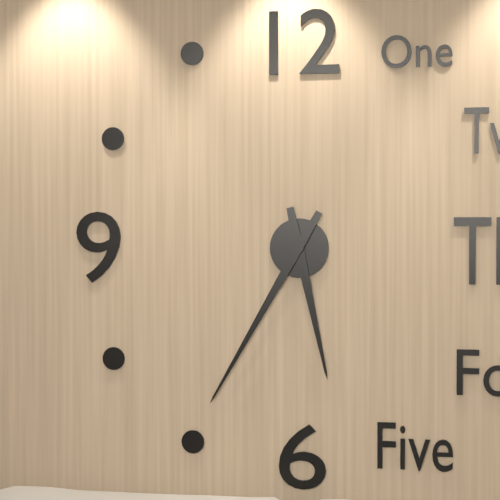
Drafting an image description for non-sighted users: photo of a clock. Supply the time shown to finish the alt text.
5:35
